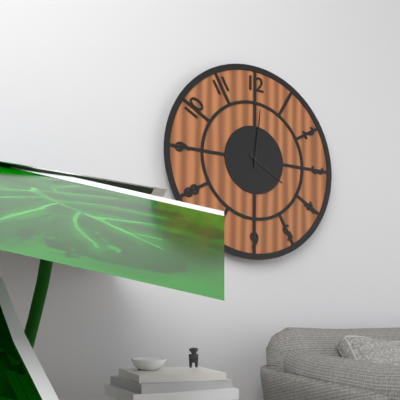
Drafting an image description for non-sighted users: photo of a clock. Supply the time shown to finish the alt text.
4:01
